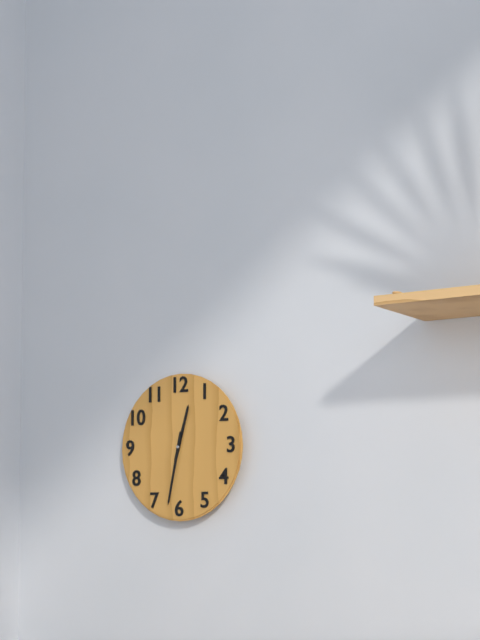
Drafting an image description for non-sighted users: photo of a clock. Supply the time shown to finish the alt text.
12:32
